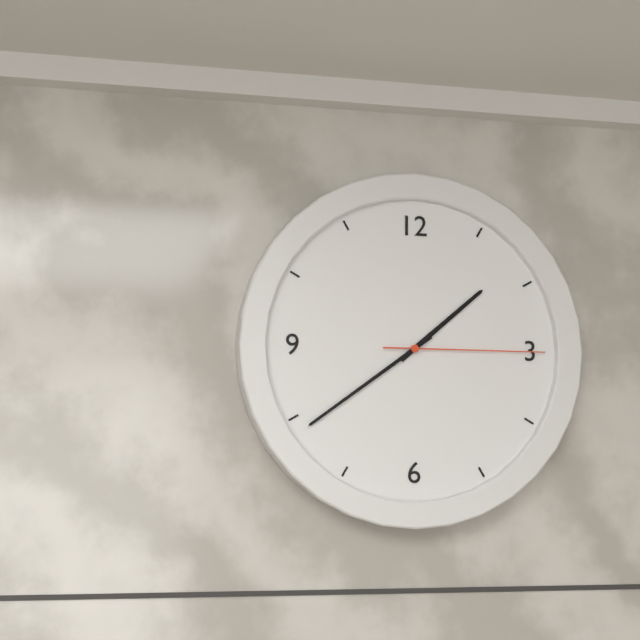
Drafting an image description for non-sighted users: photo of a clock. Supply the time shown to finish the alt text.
1:39:15
